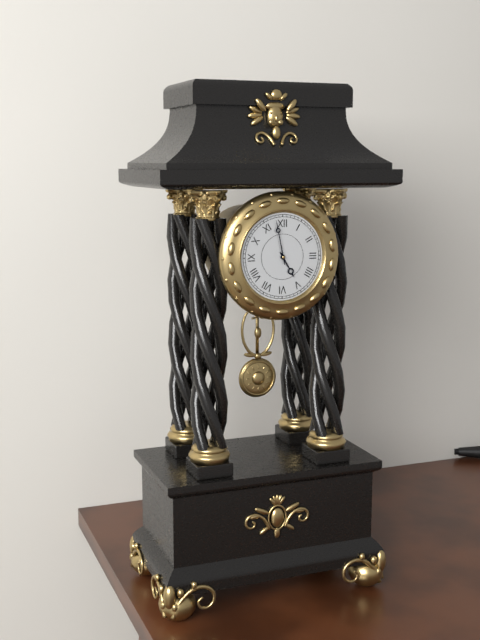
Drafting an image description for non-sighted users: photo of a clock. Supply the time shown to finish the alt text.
4:58
